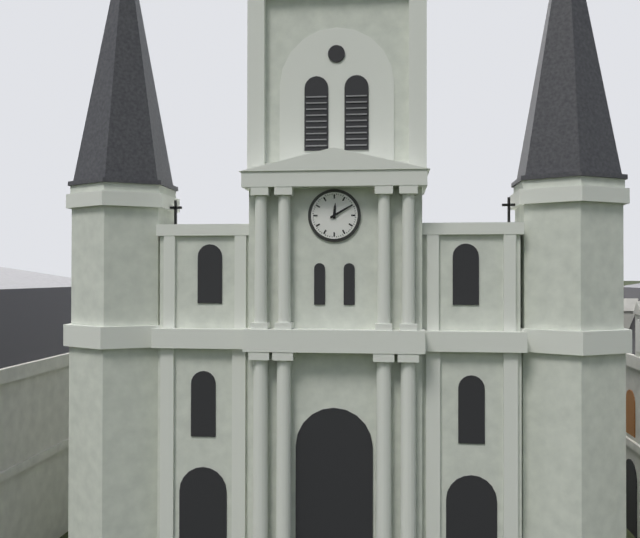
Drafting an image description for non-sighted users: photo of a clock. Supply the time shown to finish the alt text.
12:10
